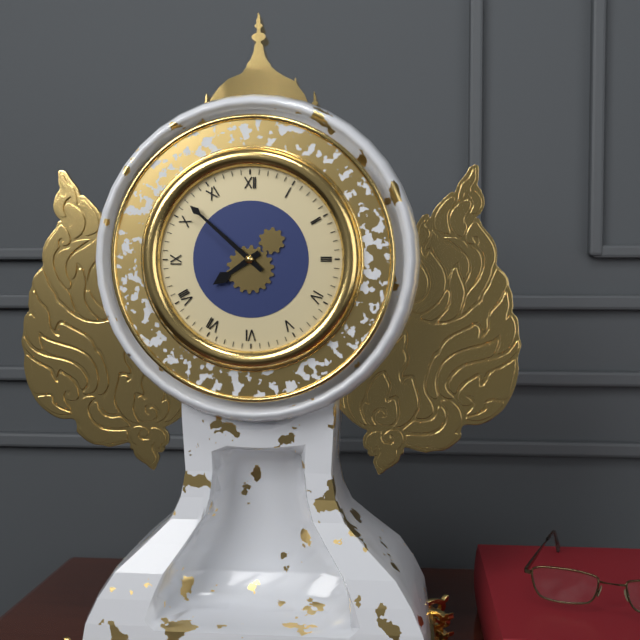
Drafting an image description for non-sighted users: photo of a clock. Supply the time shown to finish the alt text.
7:52
